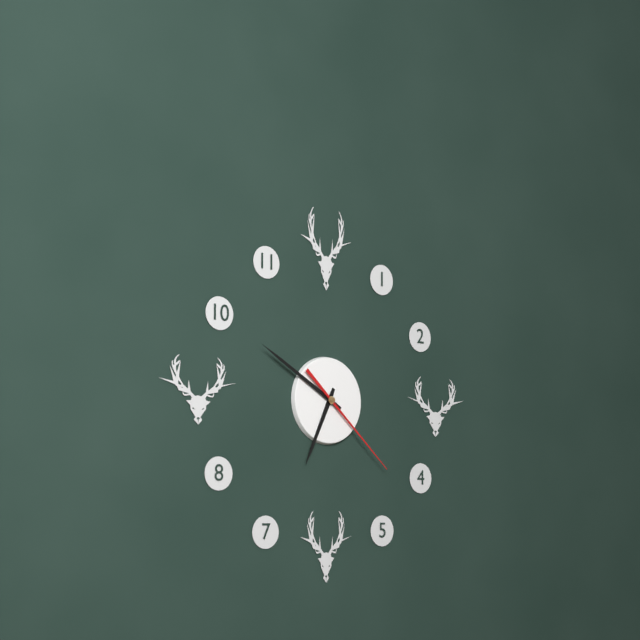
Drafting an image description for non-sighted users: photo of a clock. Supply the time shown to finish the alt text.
6:50:22
